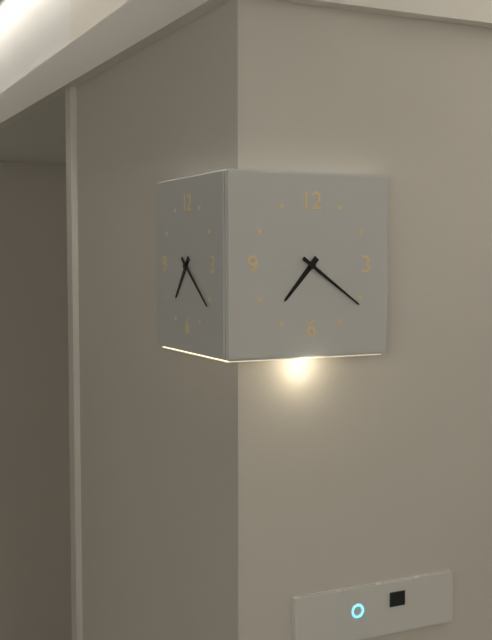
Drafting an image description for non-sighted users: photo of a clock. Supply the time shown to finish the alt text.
7:21
